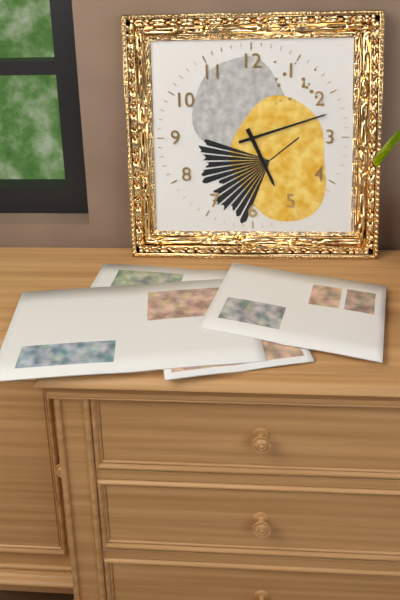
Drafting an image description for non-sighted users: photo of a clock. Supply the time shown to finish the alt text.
5:12
